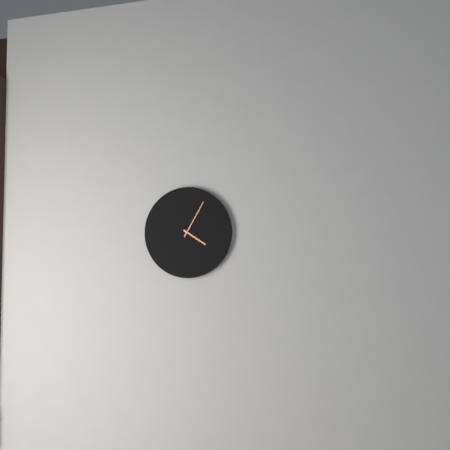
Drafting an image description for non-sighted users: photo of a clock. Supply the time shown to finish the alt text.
4:05
